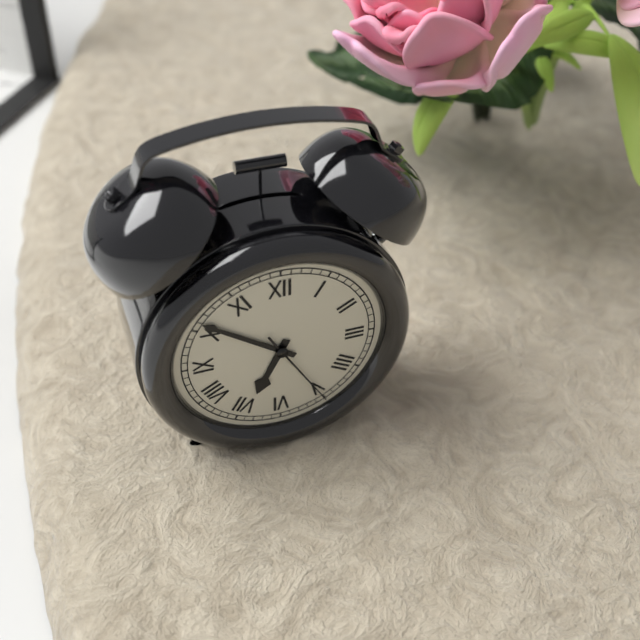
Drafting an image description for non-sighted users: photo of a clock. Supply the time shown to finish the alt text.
6:51:25
